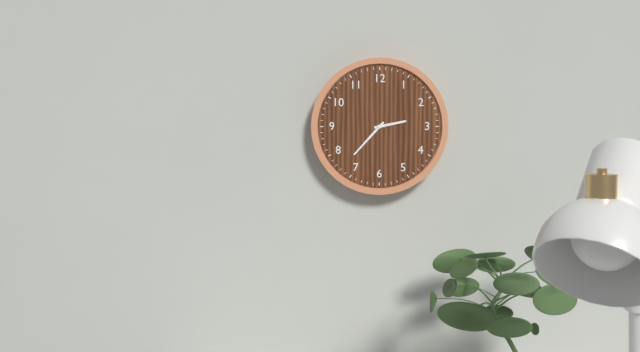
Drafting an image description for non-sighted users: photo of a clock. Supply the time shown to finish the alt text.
2:37
